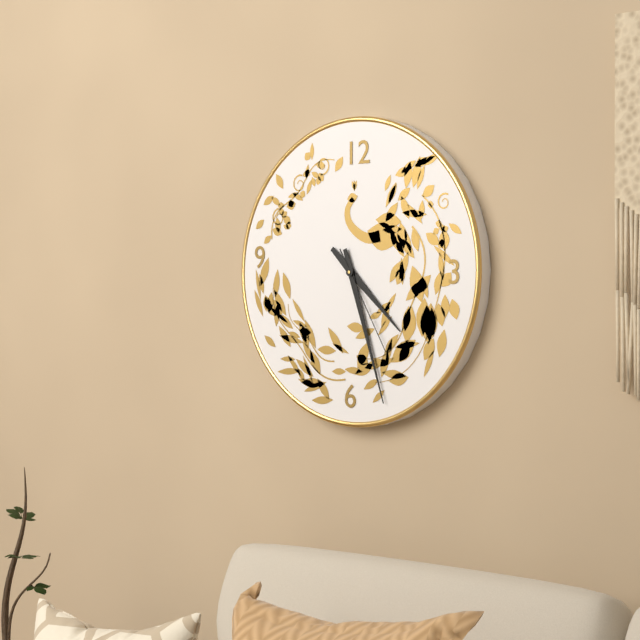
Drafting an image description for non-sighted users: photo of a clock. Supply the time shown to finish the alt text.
4:27:25
